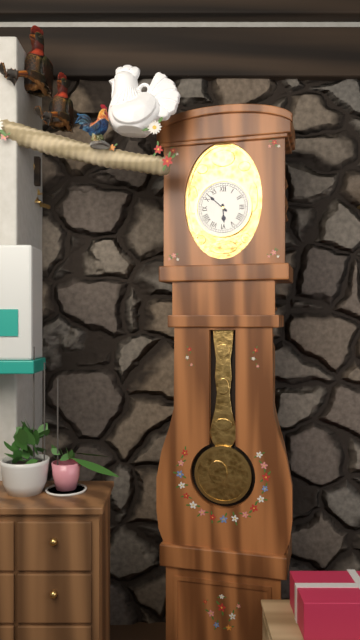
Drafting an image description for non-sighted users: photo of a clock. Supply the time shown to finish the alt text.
5:52
